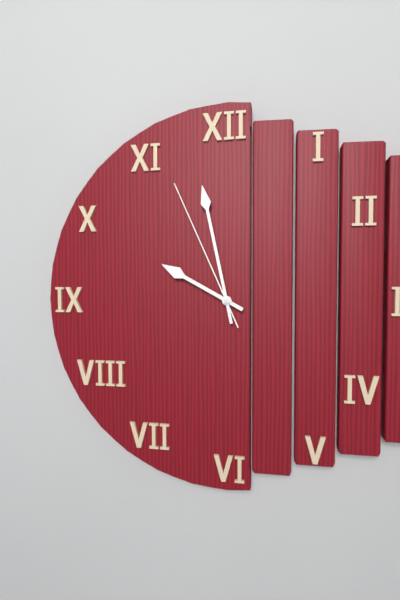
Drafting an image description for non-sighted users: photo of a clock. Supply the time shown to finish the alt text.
9:58:56
